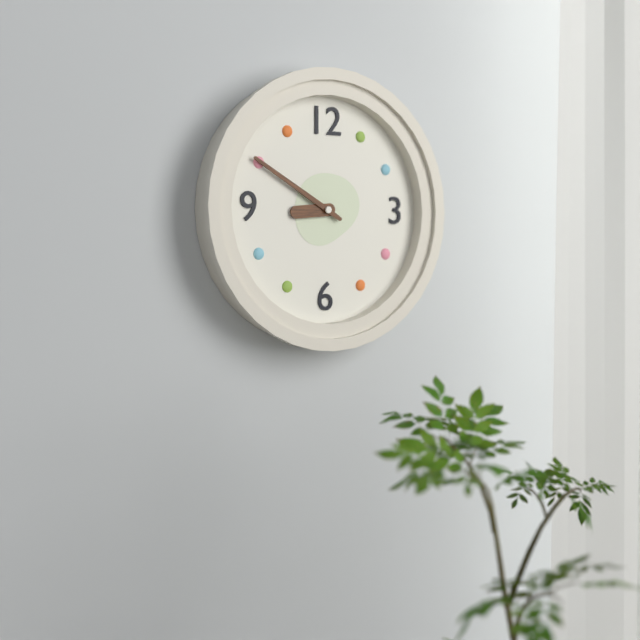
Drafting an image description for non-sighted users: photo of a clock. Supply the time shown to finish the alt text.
8:50
